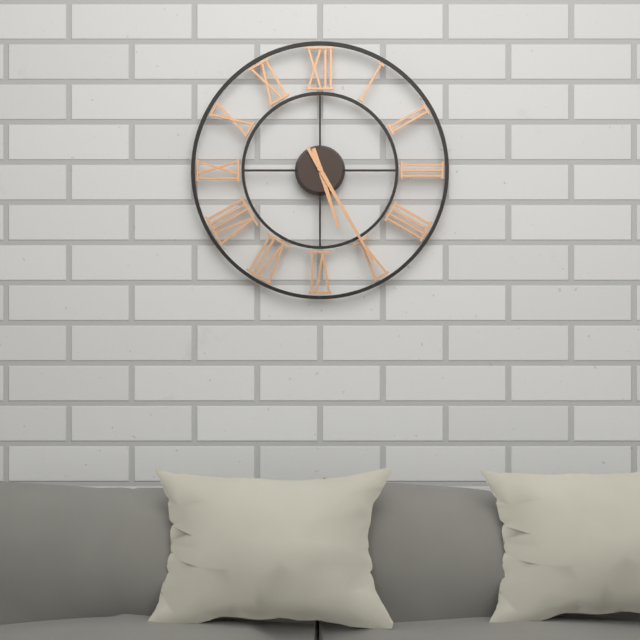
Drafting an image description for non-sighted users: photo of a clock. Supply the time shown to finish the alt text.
5:25
